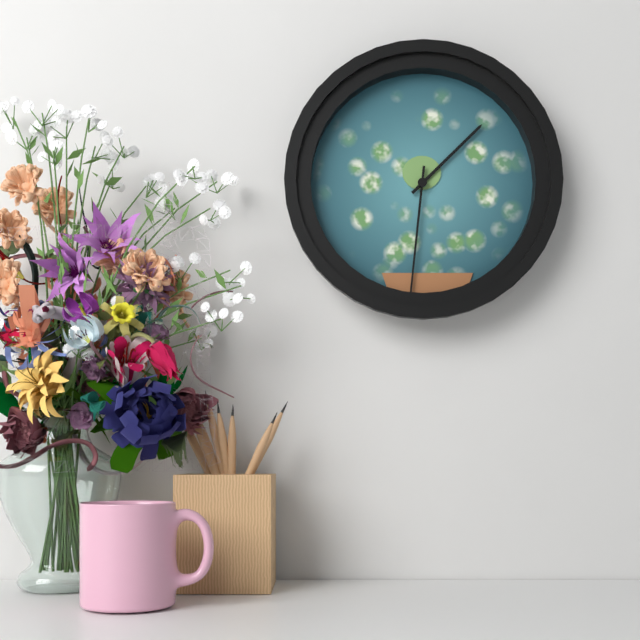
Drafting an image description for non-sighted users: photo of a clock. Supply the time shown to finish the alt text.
1:31
